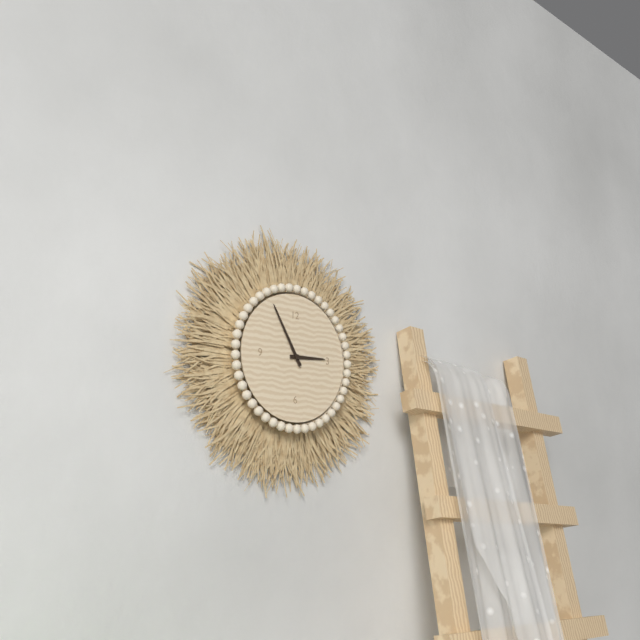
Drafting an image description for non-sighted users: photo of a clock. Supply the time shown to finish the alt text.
2:55
